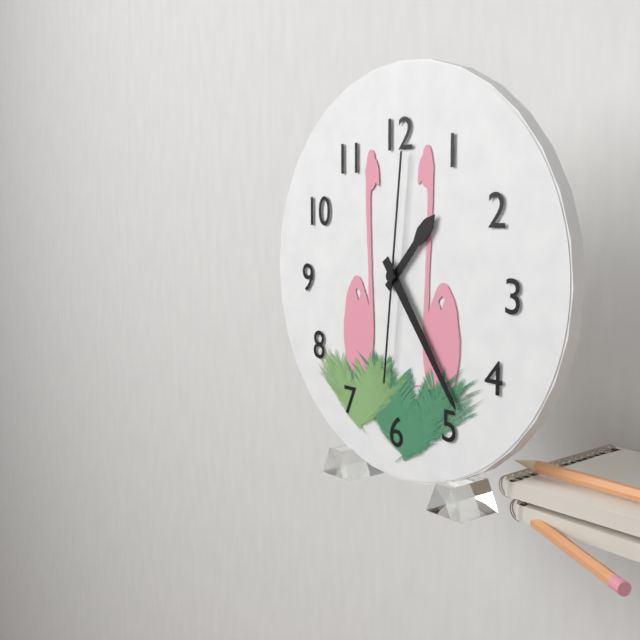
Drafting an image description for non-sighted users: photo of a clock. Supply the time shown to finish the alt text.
1:24:01
